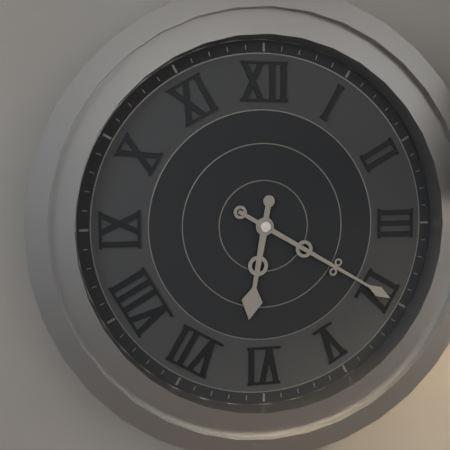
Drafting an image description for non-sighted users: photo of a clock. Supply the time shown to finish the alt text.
6:20
